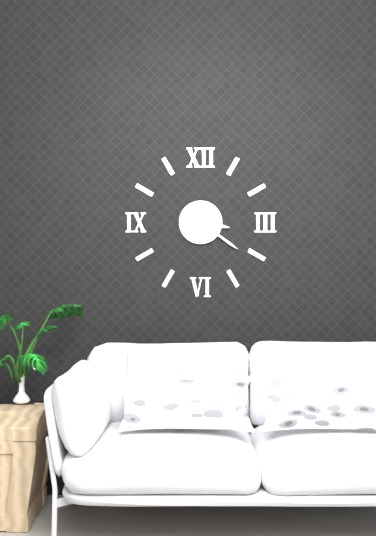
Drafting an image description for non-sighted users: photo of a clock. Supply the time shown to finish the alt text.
3:21
